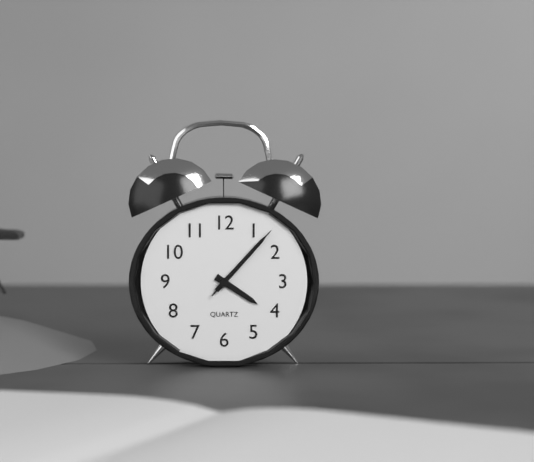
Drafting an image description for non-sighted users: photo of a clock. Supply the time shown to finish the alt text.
4:07:07
